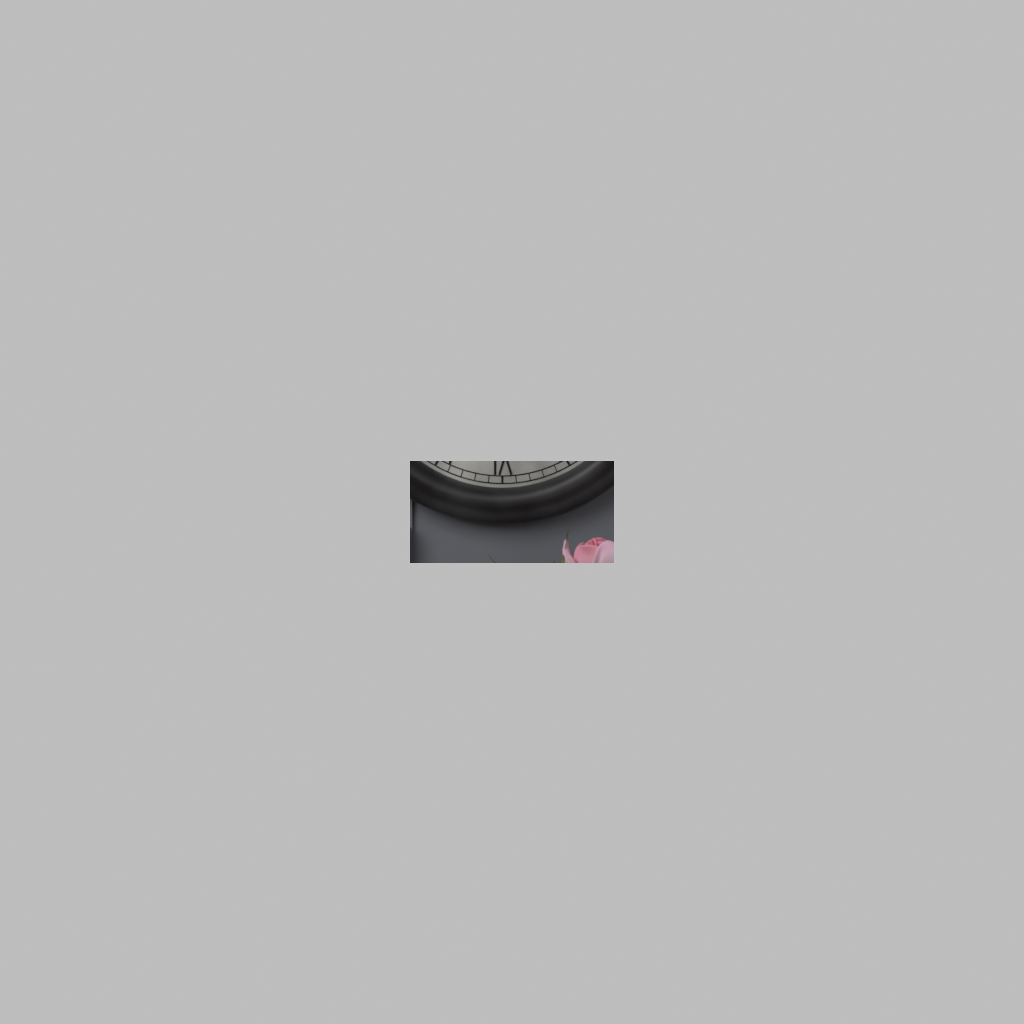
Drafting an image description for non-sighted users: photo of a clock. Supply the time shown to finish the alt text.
11:36
